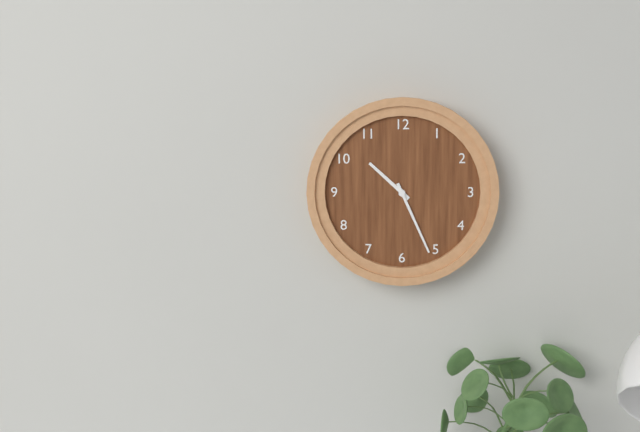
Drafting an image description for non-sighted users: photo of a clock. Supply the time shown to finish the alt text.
10:26
